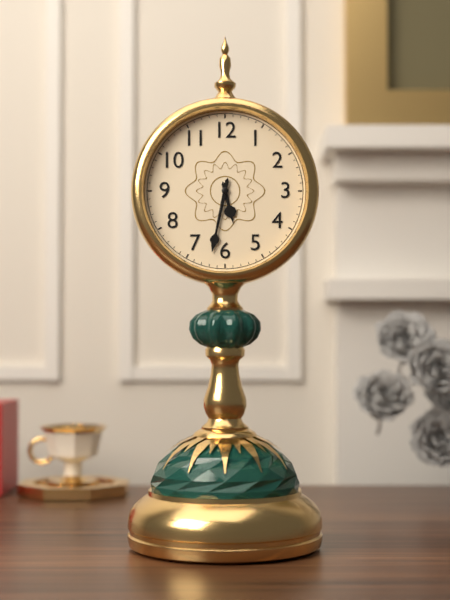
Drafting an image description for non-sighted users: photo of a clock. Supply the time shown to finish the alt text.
5:32
